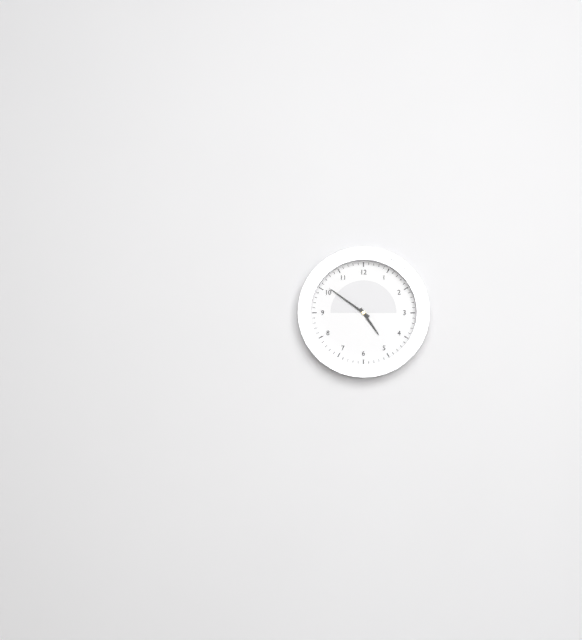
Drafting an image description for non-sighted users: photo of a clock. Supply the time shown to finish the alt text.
4:51
